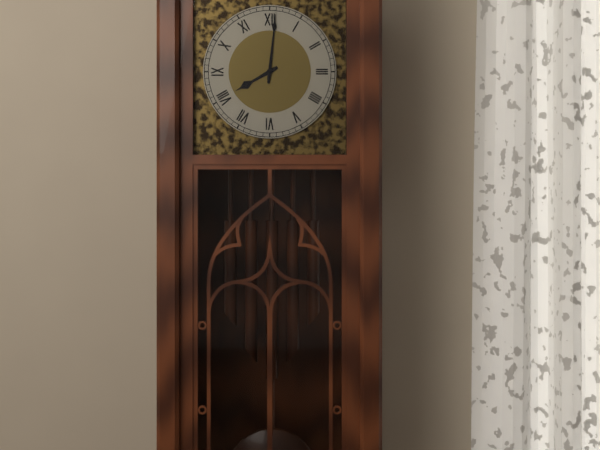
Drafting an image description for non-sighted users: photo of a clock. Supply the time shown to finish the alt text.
8:01
